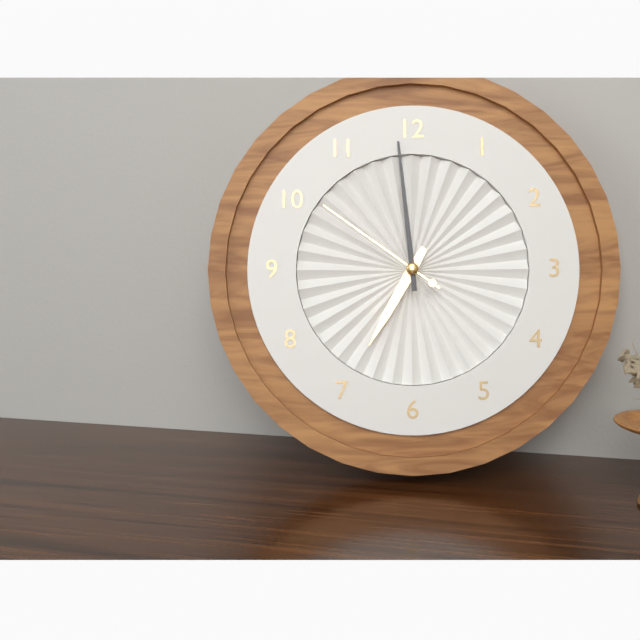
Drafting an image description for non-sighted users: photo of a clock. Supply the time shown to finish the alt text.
6:59:51
